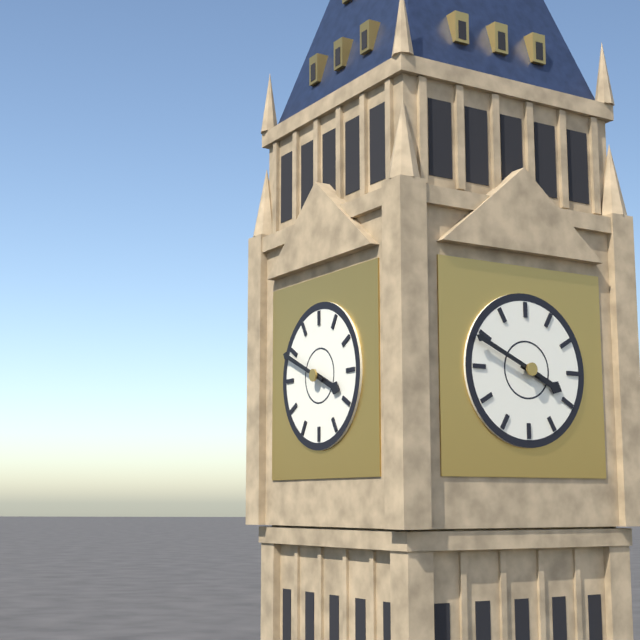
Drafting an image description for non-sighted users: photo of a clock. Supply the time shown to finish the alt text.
3:49
